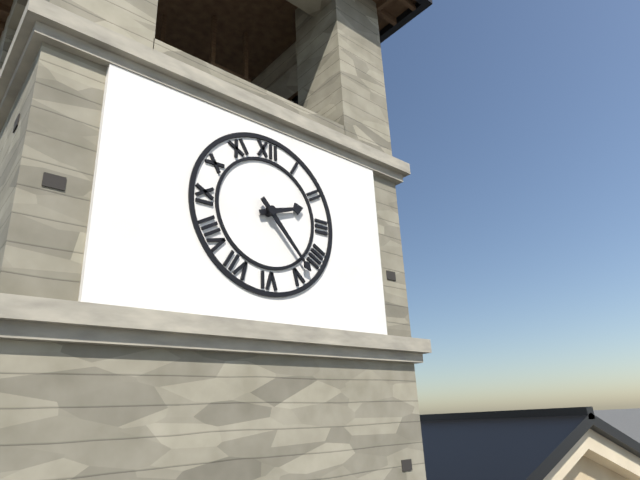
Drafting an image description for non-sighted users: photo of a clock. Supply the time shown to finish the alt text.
2:23
